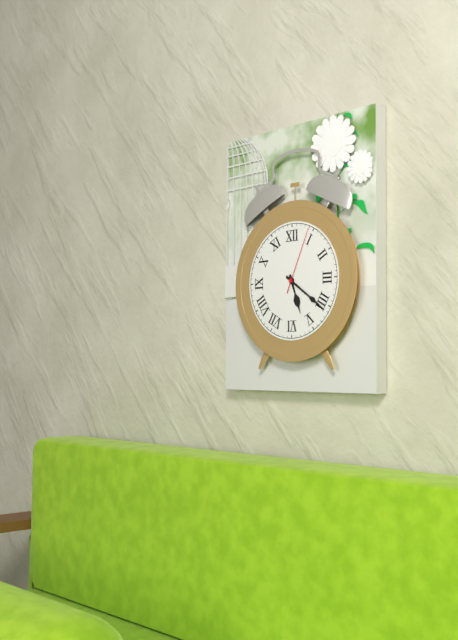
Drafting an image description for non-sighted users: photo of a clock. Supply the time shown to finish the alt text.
5:21:04
